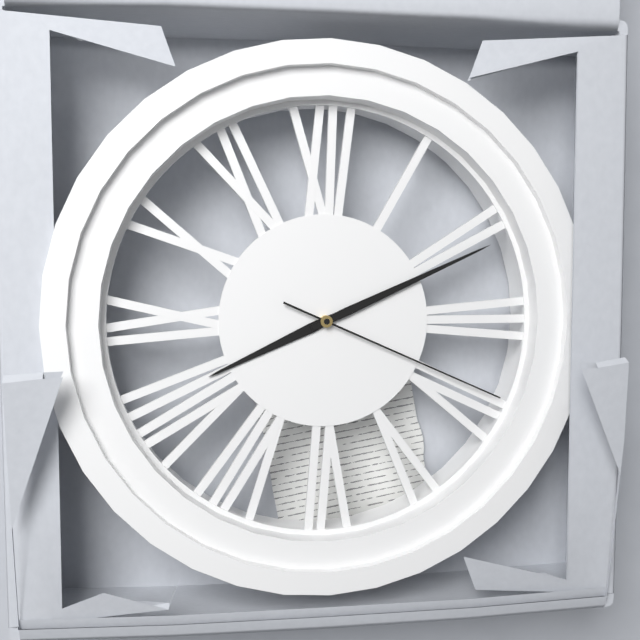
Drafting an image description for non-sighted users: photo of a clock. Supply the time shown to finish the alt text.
8:11:19
